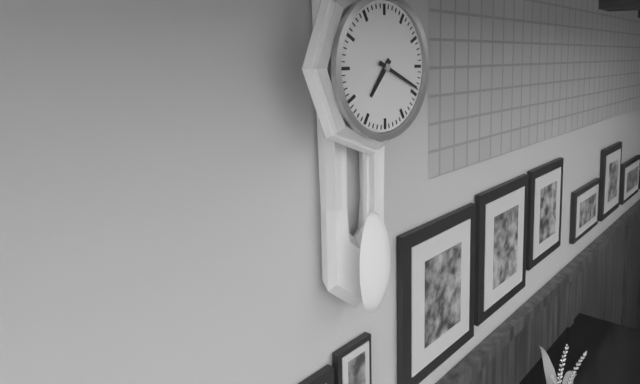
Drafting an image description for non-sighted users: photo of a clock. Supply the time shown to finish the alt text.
7:19
